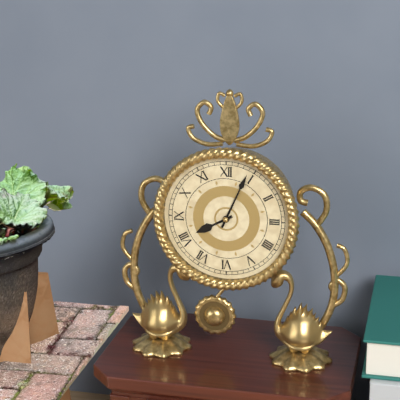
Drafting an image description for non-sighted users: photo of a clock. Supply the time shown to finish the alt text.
8:04
